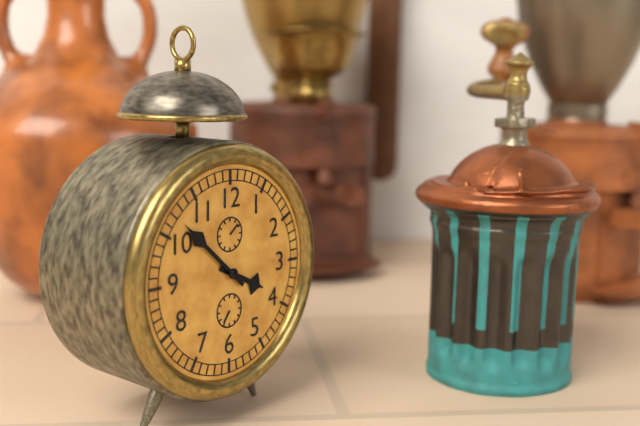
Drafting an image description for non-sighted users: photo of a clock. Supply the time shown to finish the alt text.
3:52
